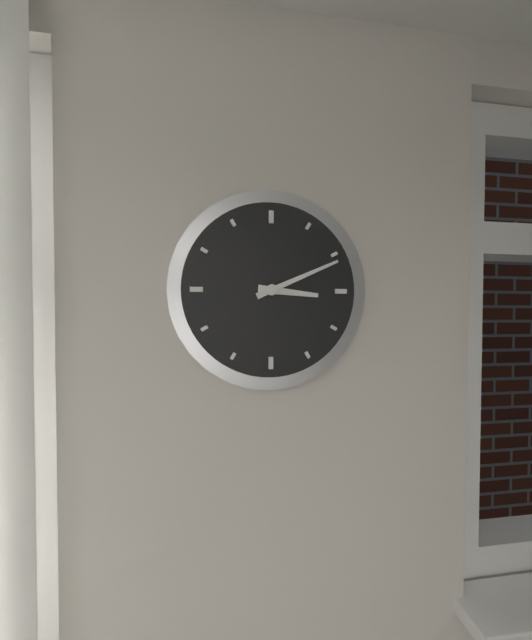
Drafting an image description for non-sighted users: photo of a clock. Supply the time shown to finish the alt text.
3:11
